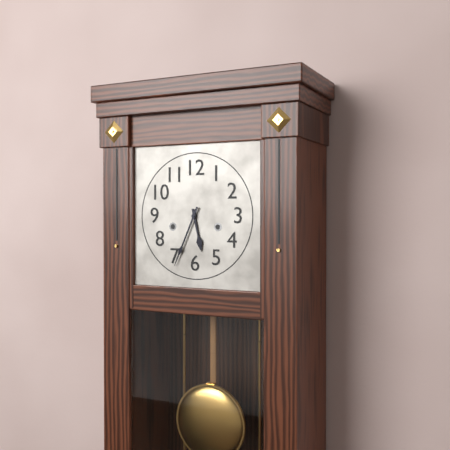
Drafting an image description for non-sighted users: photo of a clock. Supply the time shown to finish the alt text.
5:34
